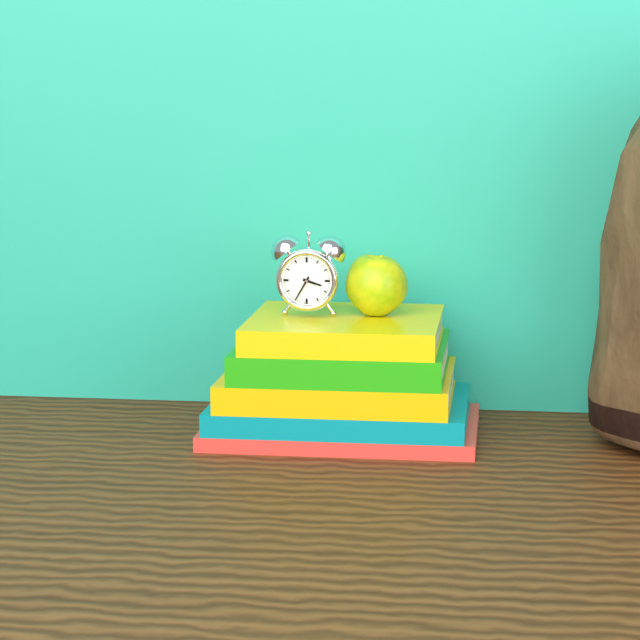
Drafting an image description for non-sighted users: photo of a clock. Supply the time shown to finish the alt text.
3:35
